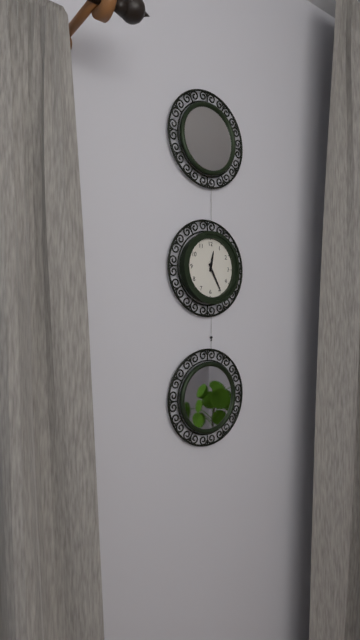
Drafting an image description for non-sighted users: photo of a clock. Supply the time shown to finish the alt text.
12:25
